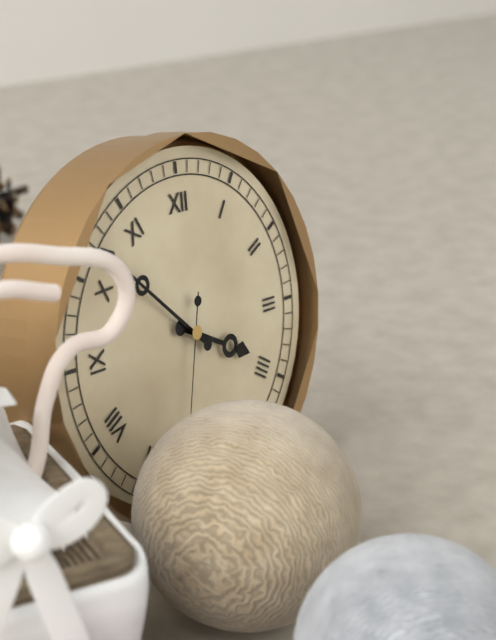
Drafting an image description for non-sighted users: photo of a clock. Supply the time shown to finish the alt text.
3:52
